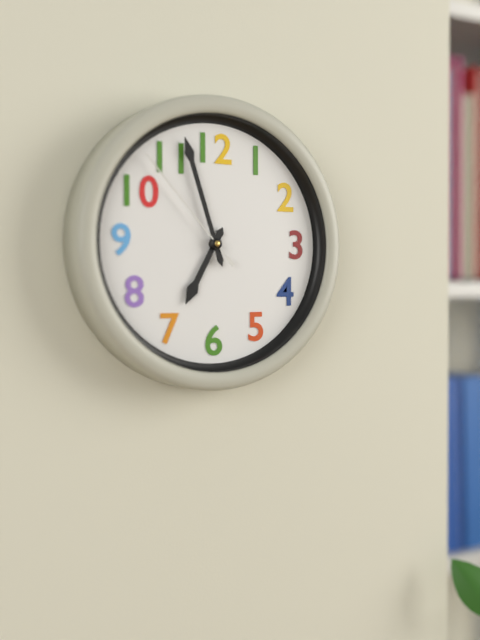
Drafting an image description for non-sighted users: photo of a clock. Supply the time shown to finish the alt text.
6:57:53
